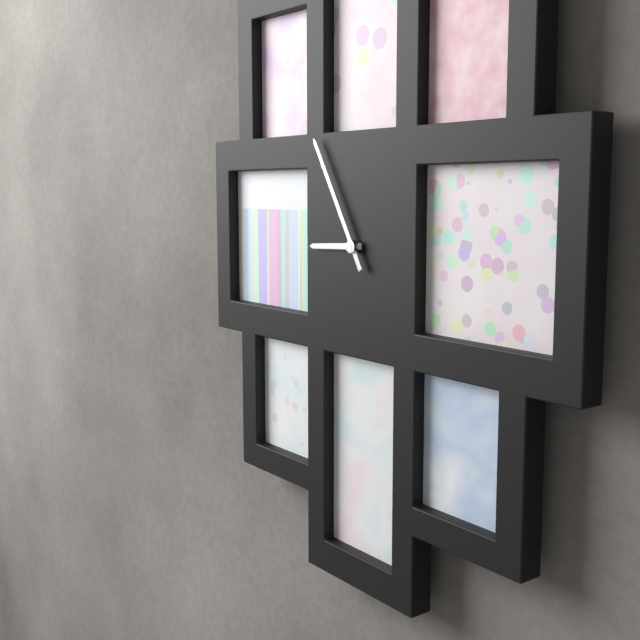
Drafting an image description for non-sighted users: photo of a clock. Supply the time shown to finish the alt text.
8:55
